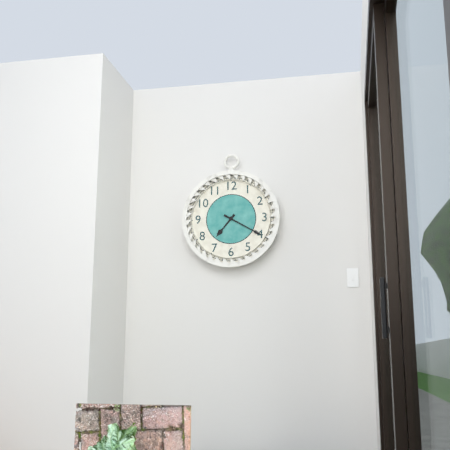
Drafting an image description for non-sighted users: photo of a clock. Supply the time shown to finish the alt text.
7:20
